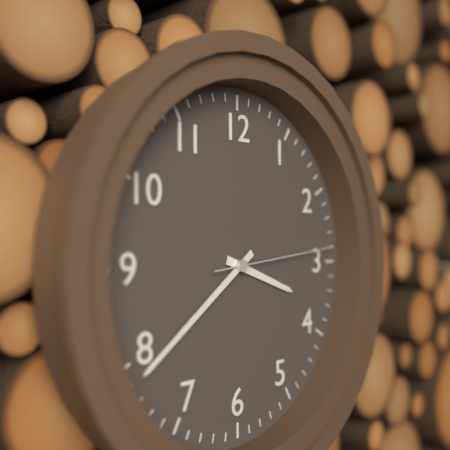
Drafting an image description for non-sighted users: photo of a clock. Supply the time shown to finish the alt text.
3:39:14
